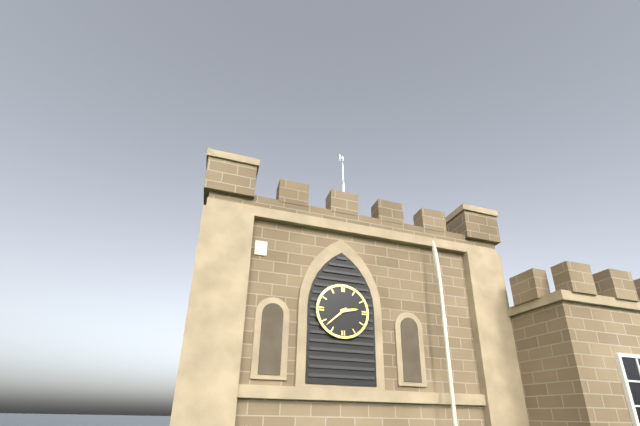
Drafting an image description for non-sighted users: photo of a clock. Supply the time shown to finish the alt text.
2:38
